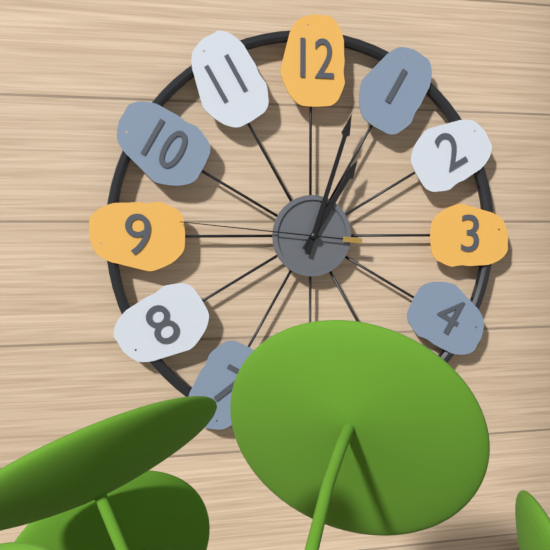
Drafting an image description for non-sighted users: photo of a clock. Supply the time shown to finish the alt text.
1:03:46
